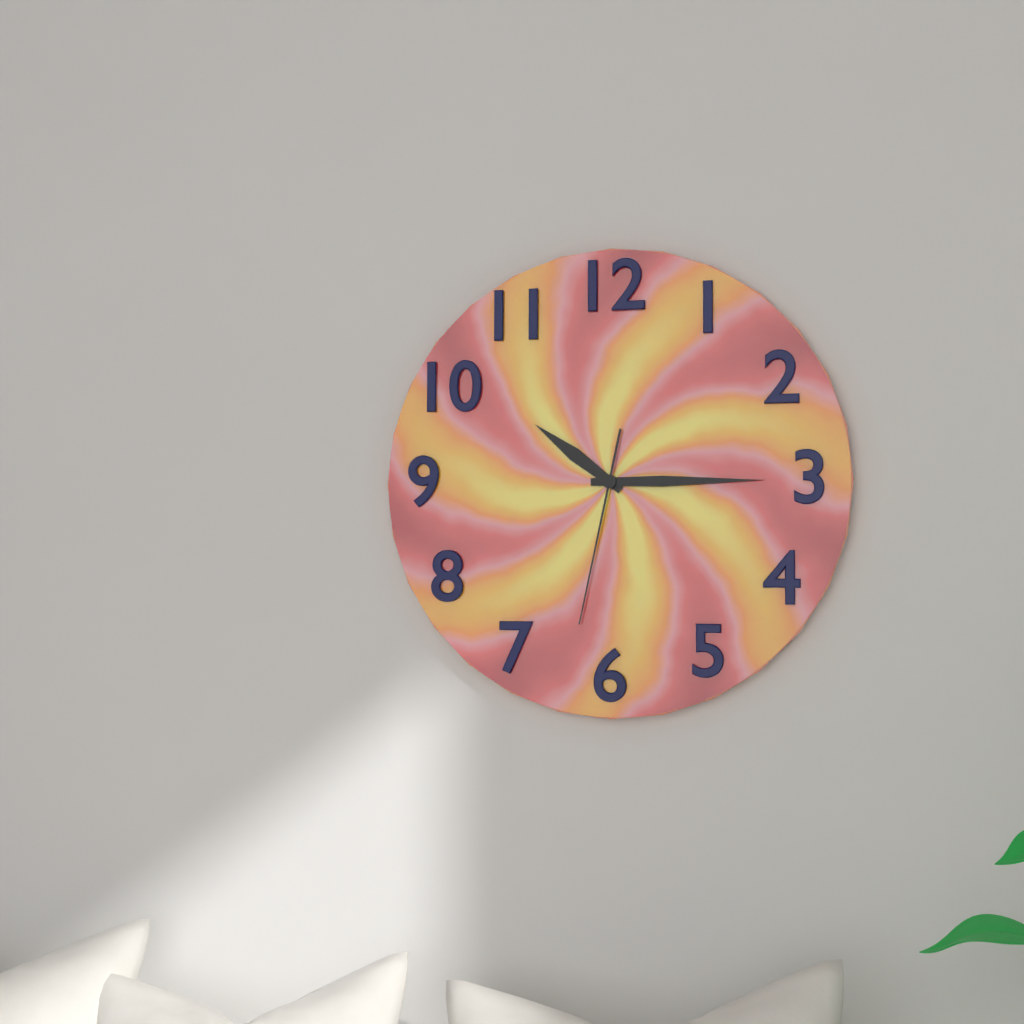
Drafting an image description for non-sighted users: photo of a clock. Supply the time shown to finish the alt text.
10:15:32
